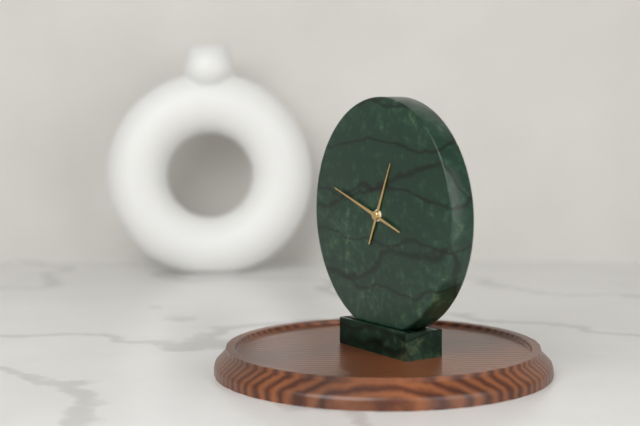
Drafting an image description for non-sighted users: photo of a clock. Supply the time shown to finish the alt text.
12:48
